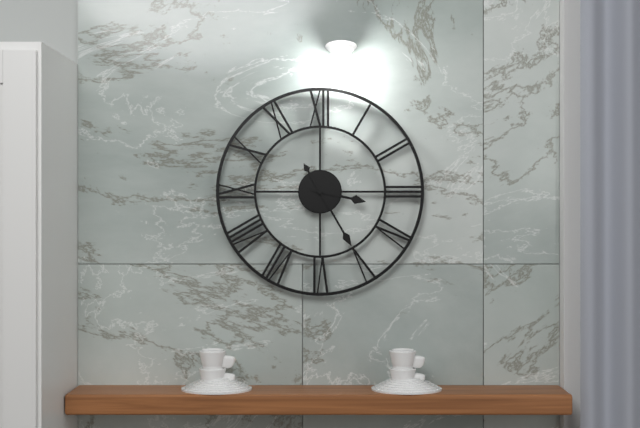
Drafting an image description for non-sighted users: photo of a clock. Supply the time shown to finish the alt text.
3:25
